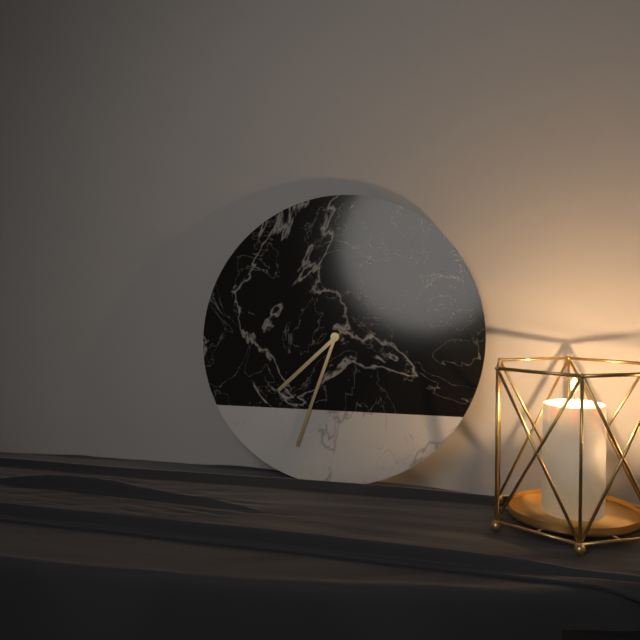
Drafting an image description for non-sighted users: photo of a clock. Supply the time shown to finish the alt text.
7:33
